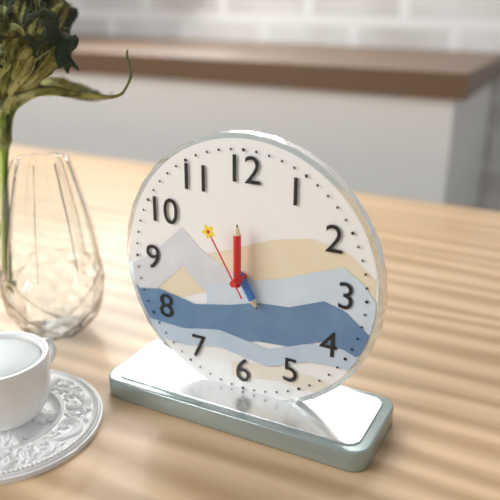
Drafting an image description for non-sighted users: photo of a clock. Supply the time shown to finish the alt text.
5:00:55
